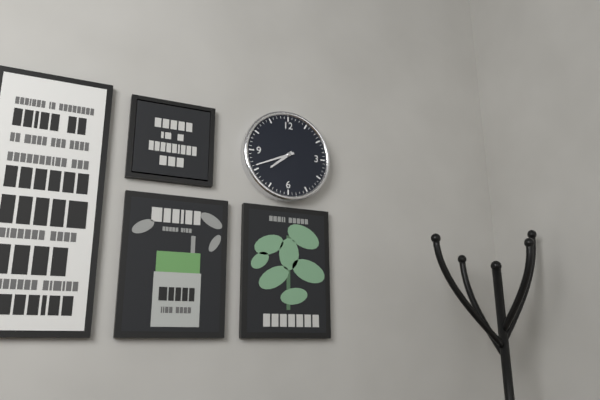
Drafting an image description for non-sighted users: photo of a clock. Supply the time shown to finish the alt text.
7:41
